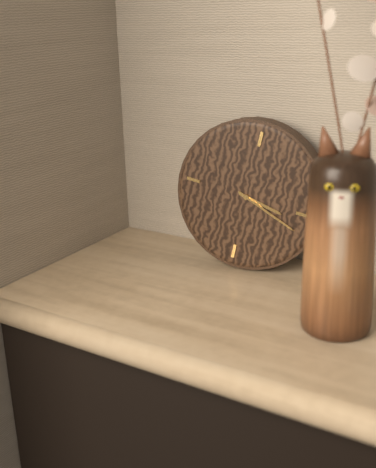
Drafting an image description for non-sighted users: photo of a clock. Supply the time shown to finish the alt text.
3:18
